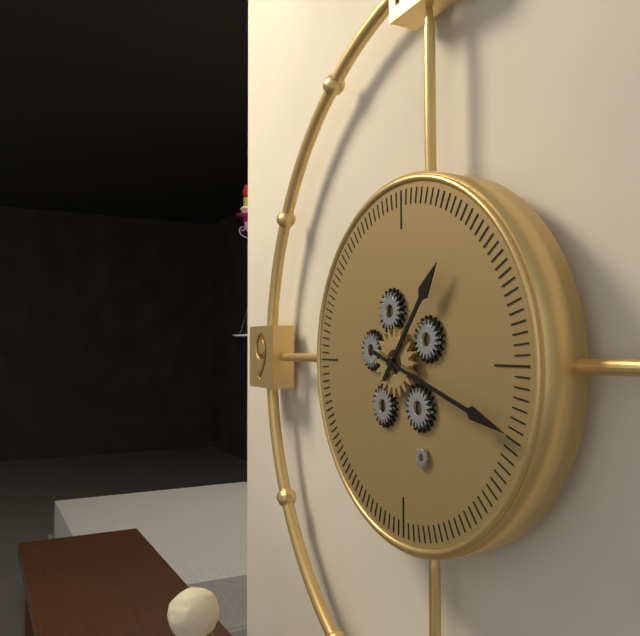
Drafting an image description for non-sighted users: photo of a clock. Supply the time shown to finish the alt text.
1:18
